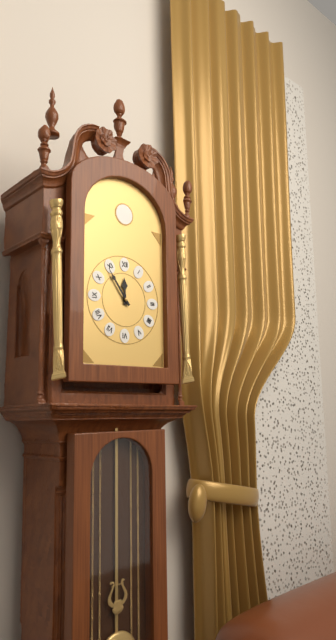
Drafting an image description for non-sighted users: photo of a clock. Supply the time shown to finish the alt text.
11:54
